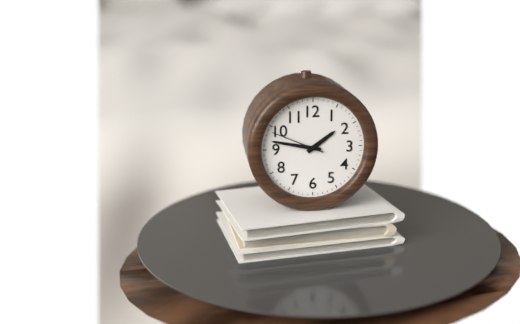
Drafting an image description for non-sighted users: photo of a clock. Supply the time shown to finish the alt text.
1:47:49
